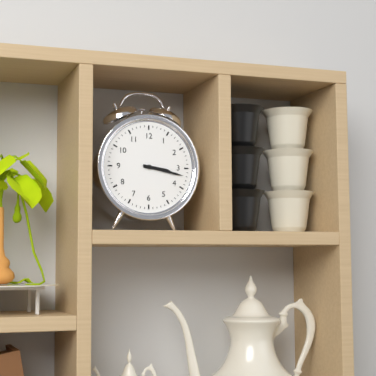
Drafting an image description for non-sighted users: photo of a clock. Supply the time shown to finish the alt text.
3:17
